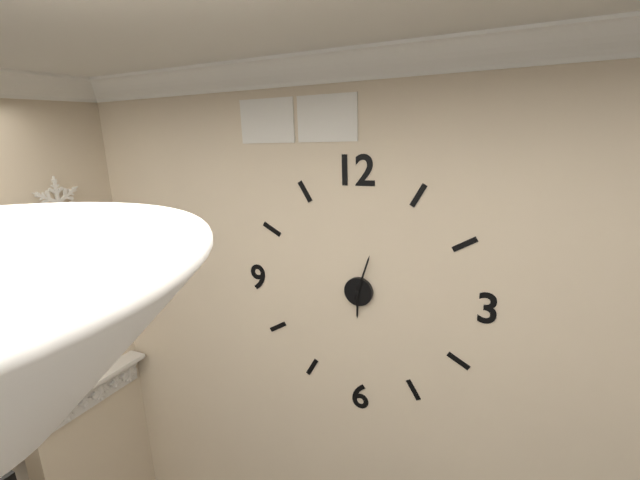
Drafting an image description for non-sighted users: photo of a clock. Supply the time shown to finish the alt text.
6:03
